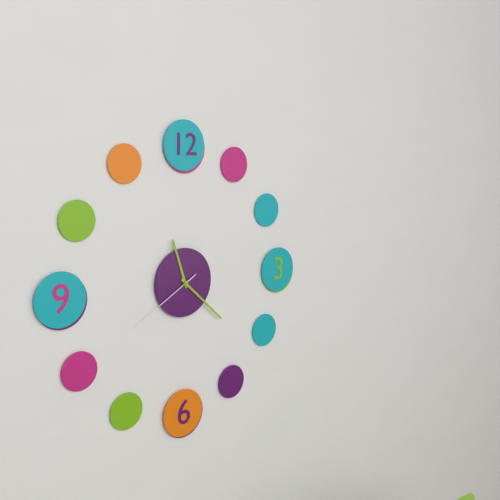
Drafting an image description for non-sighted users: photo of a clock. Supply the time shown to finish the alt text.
11:22:40
